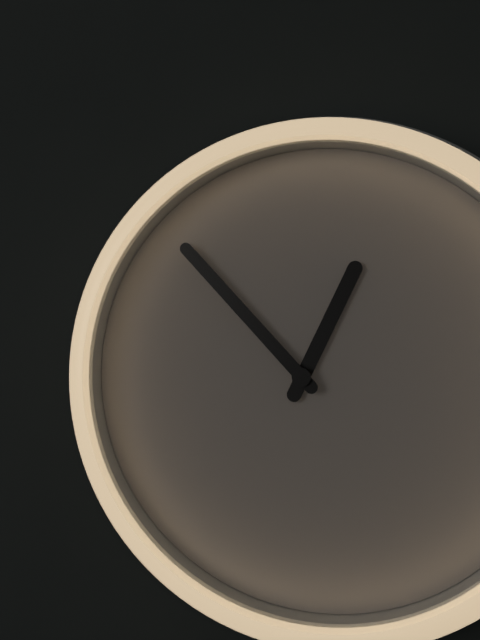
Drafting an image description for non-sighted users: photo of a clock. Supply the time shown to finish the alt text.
12:53
